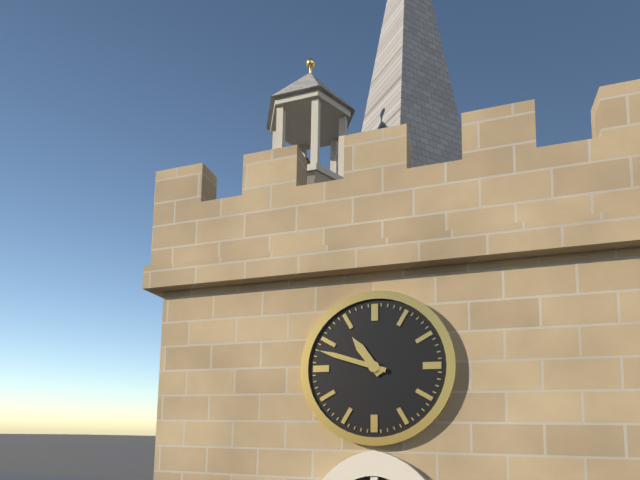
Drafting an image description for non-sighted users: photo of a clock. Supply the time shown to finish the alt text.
10:48
